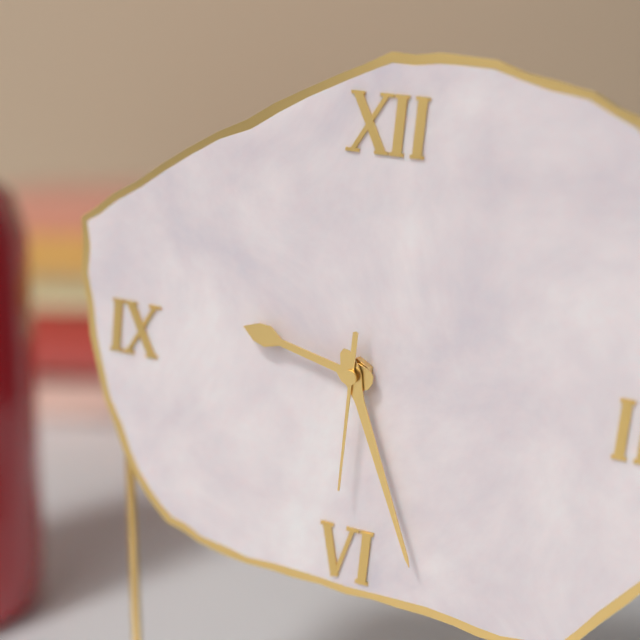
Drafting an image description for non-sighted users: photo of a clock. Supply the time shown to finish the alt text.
9:26:30
